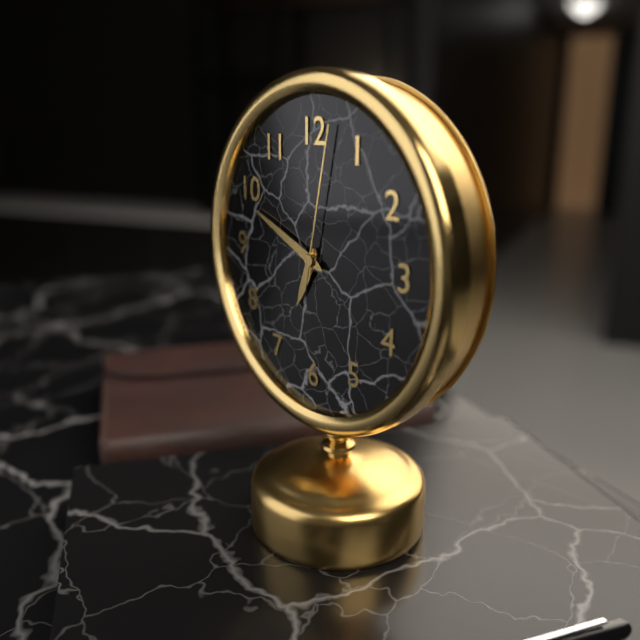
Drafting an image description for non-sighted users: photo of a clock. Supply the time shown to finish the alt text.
6:49:02
